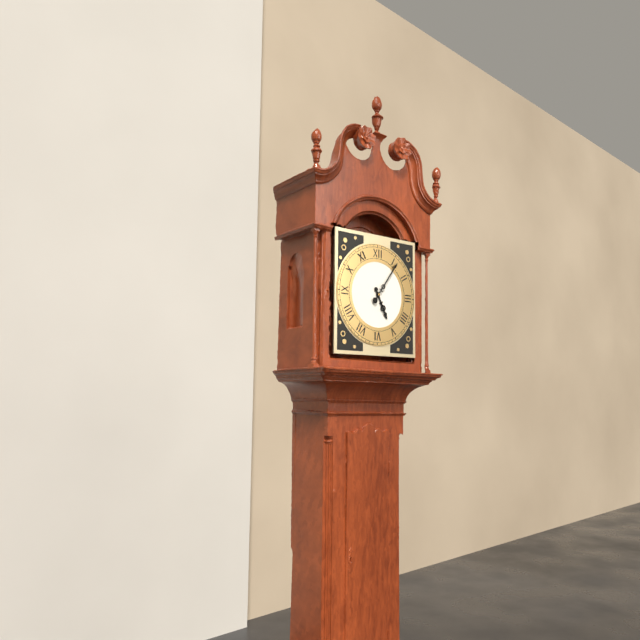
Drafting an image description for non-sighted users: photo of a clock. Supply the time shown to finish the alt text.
5:06
